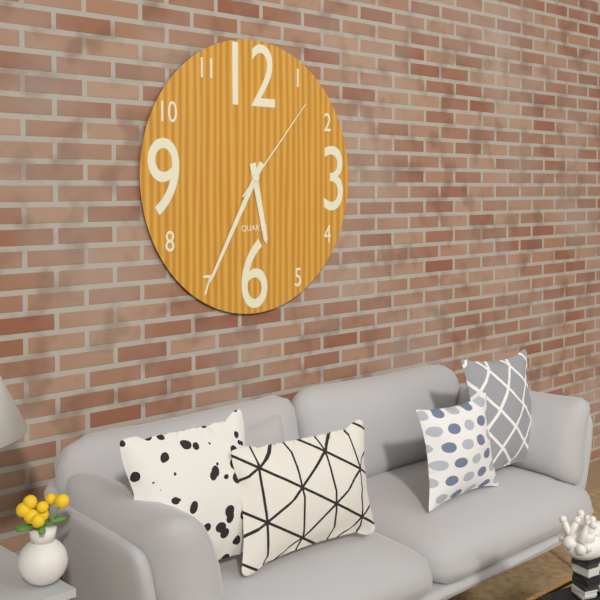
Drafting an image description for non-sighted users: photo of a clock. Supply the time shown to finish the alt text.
5:35:07
